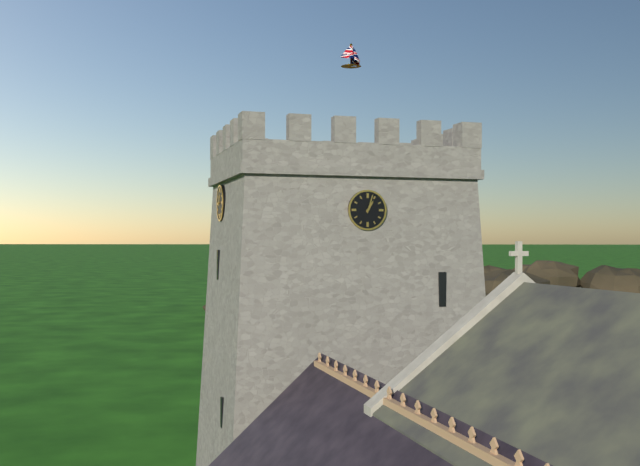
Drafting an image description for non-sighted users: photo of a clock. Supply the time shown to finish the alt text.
1:03
